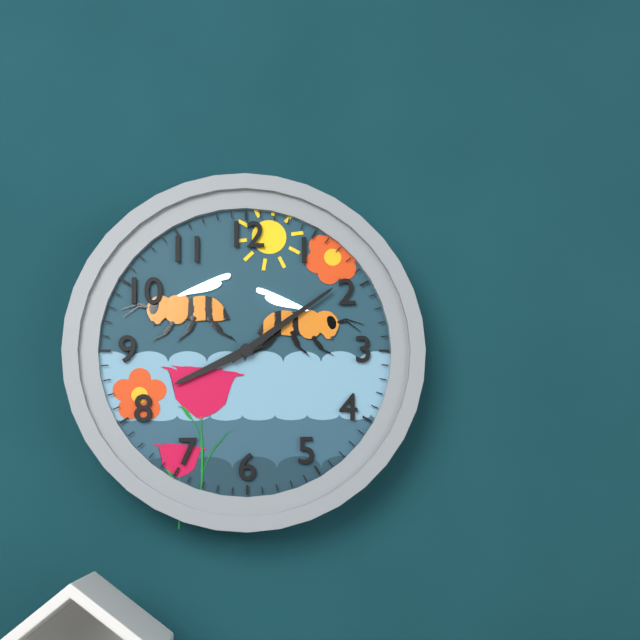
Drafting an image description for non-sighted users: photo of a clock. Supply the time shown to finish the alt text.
8:09
